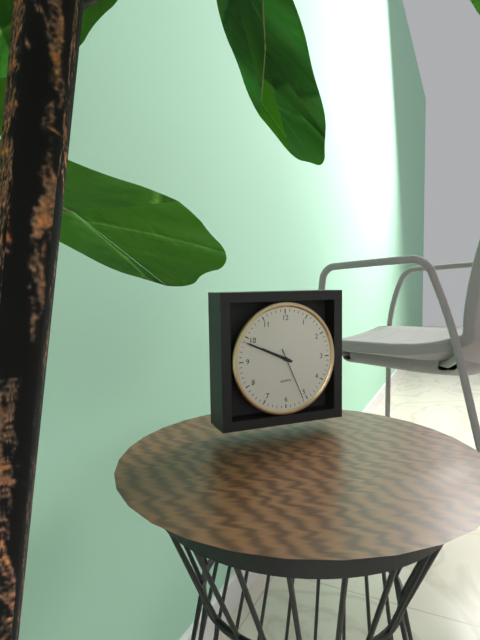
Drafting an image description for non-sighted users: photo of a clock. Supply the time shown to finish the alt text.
9:49:26
